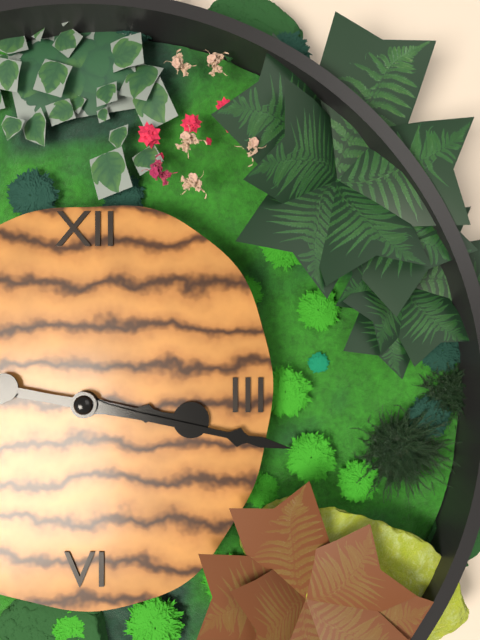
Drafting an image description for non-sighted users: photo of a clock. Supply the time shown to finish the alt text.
3:17
